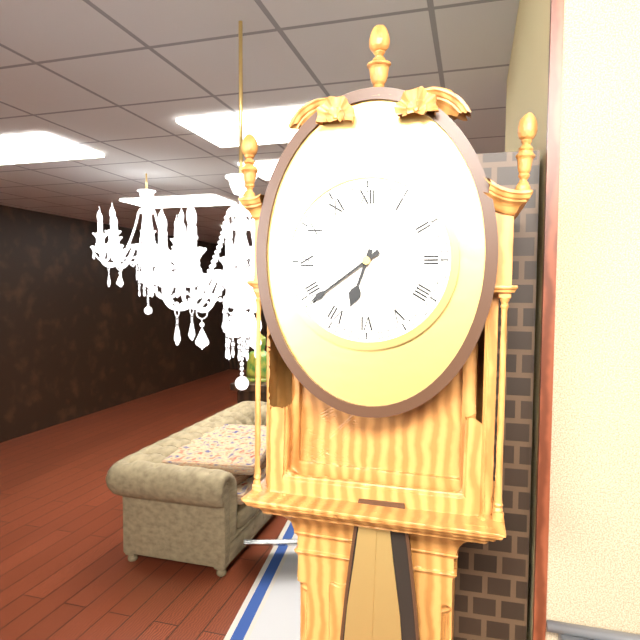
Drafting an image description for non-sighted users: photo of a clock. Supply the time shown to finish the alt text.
6:39
